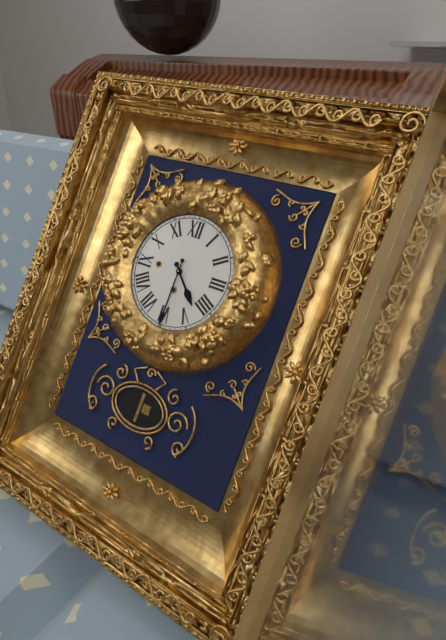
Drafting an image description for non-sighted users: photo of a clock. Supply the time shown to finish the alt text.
4:30
